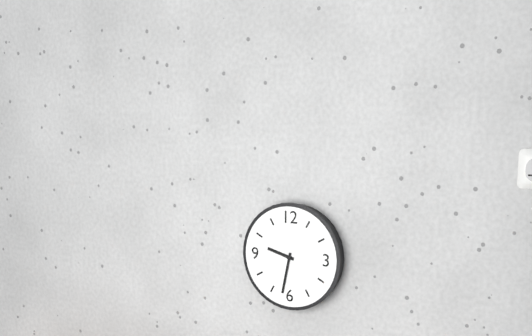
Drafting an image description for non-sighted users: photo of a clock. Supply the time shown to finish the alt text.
9:32
